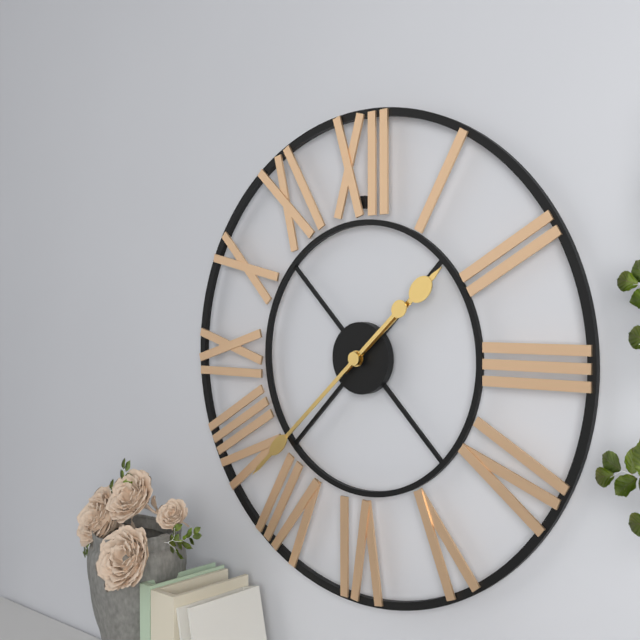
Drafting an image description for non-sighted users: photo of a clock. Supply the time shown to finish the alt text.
1:38
